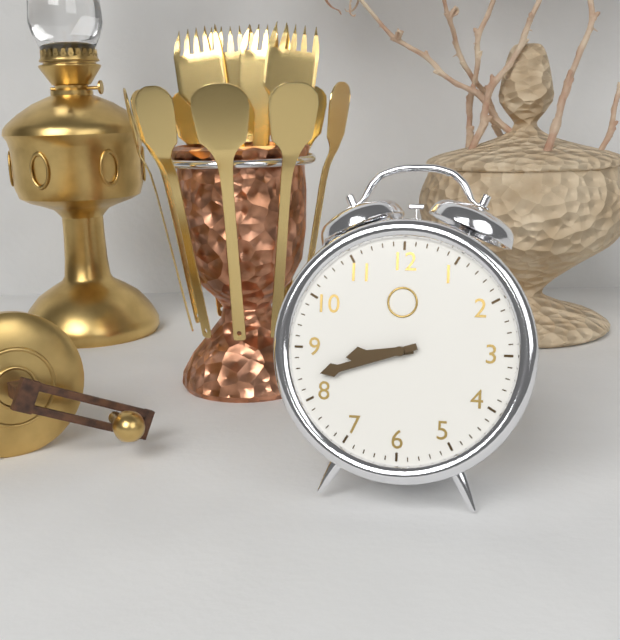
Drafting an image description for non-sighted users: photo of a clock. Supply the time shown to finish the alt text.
8:42
